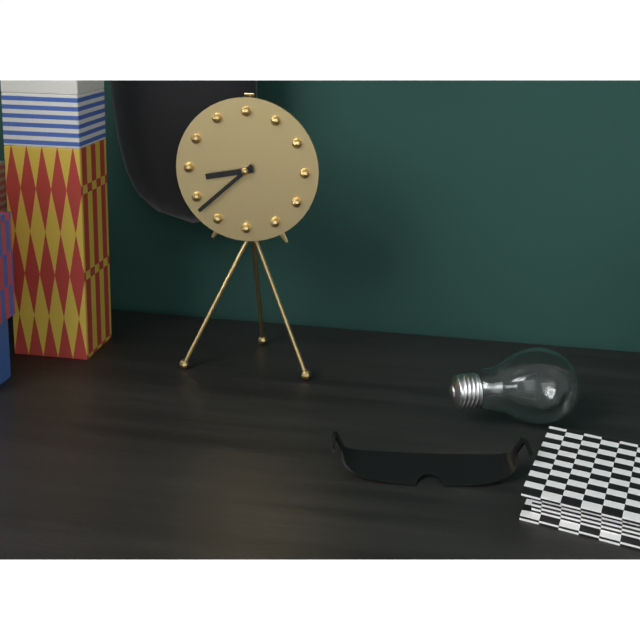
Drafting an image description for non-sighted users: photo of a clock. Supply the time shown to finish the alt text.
8:38
